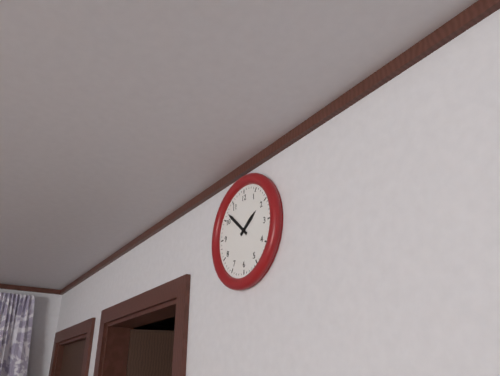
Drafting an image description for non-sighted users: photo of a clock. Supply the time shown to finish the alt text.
1:52
